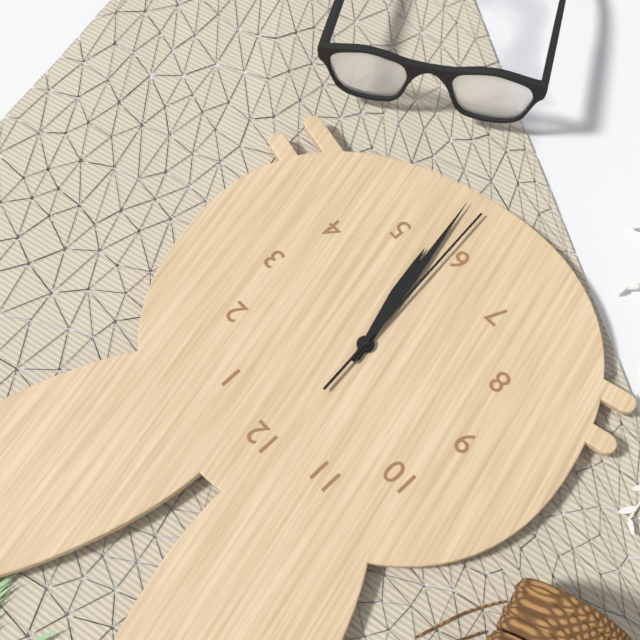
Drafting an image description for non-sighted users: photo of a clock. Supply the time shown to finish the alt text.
5:28:29
